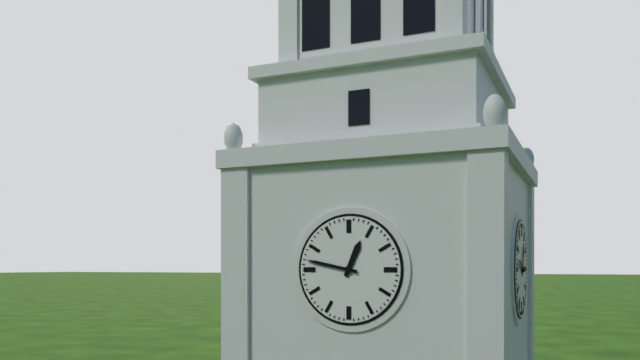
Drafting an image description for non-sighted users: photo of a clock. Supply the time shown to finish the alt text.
12:47
